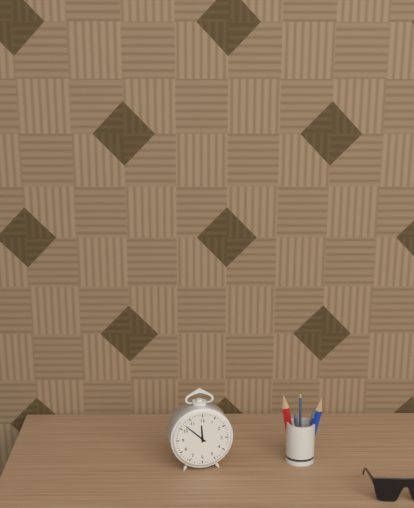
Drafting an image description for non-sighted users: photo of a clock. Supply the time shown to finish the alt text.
11:52
